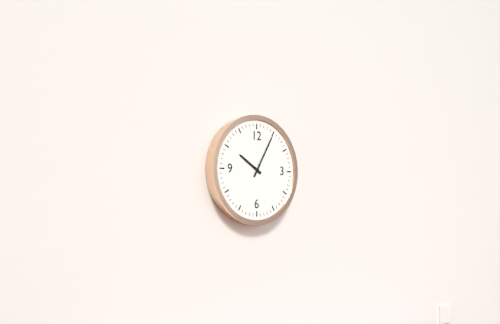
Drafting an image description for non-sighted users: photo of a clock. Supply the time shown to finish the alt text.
10:05
